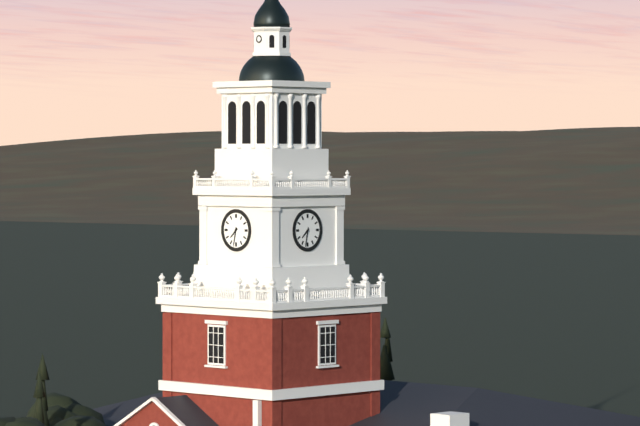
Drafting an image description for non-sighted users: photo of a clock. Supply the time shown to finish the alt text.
7:32
